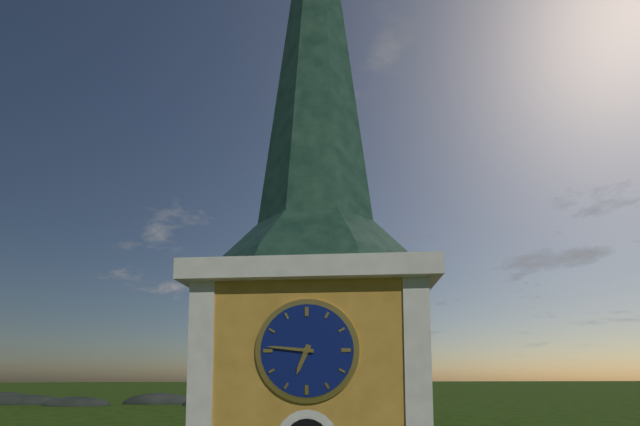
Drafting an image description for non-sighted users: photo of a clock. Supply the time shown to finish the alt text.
6:46
